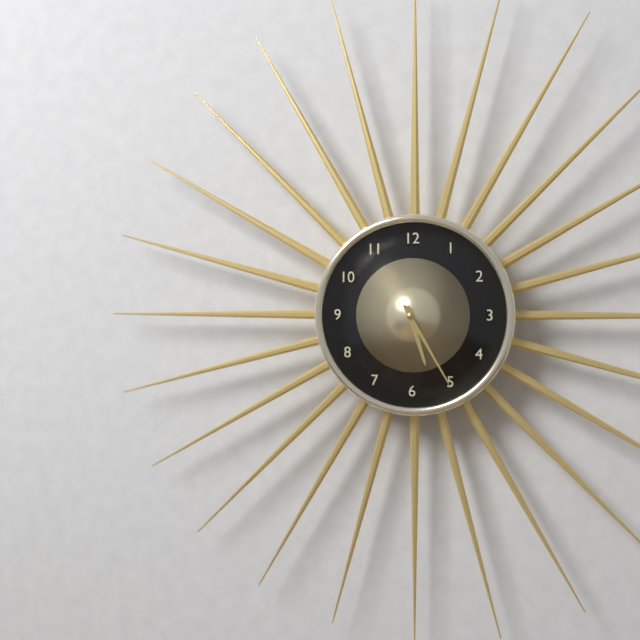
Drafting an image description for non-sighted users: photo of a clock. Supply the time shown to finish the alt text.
5:25
